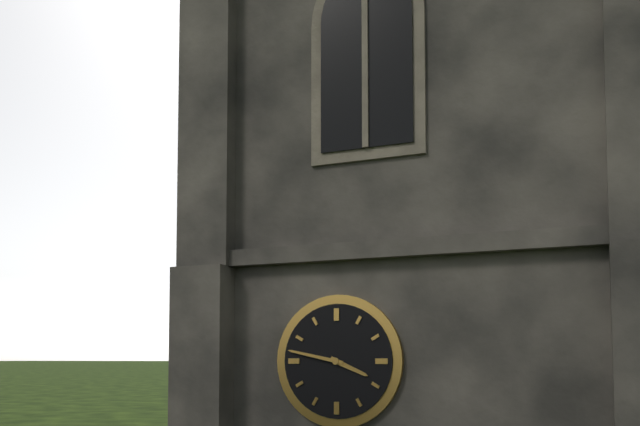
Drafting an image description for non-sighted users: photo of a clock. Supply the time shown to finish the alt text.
3:47
